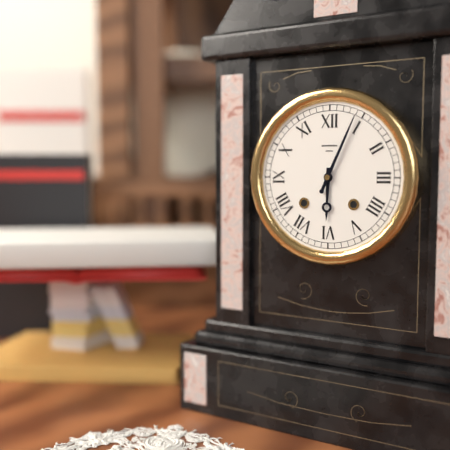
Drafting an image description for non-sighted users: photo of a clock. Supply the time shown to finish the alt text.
6:04
